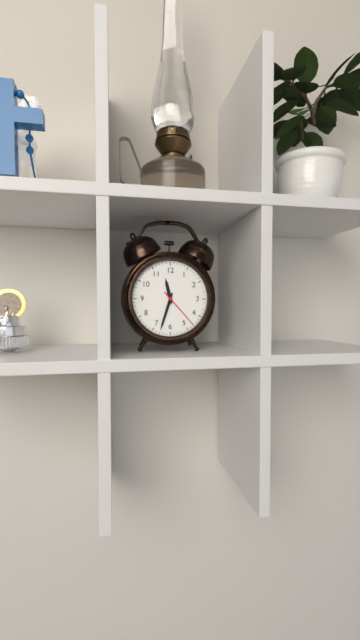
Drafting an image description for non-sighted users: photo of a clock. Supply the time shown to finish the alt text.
11:33
